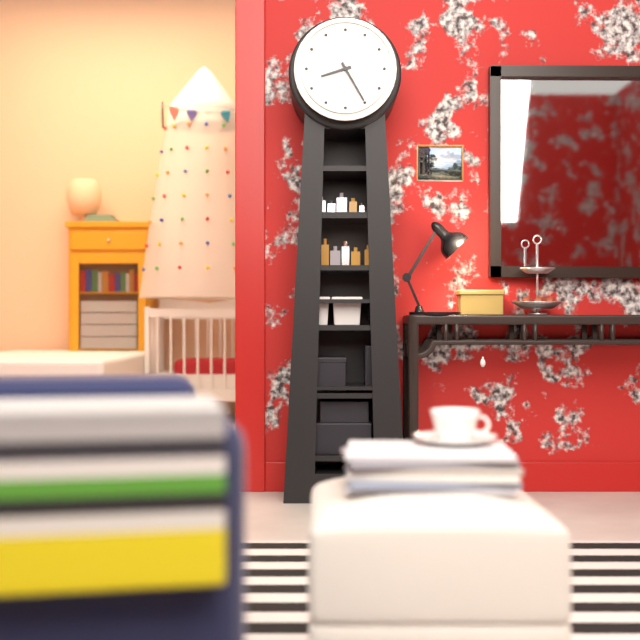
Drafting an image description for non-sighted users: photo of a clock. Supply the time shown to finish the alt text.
8:25
